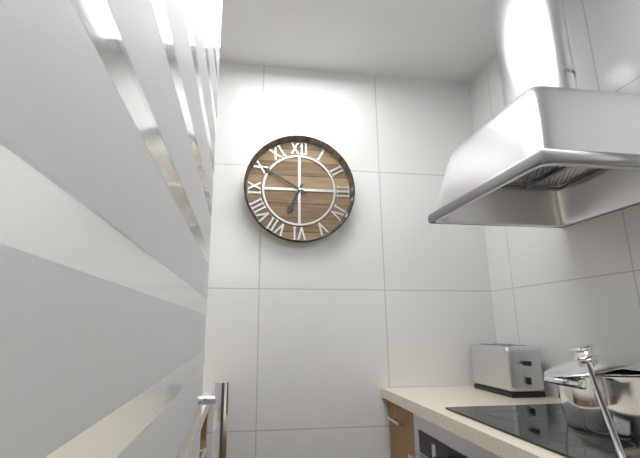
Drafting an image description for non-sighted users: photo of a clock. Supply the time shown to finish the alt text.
6:50
